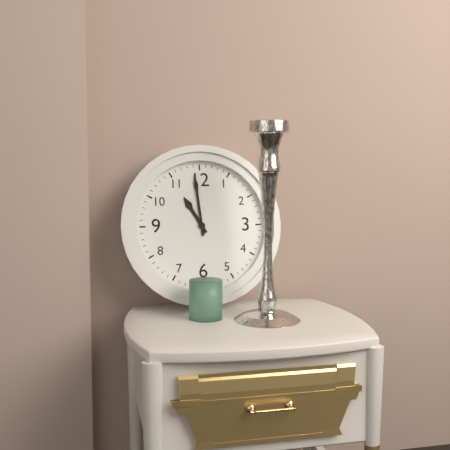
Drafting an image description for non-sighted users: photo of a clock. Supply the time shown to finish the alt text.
10:59
